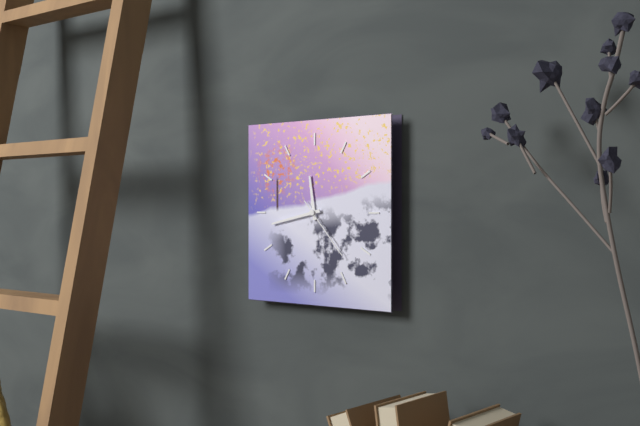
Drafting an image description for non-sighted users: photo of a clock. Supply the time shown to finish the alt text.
11:43:23
